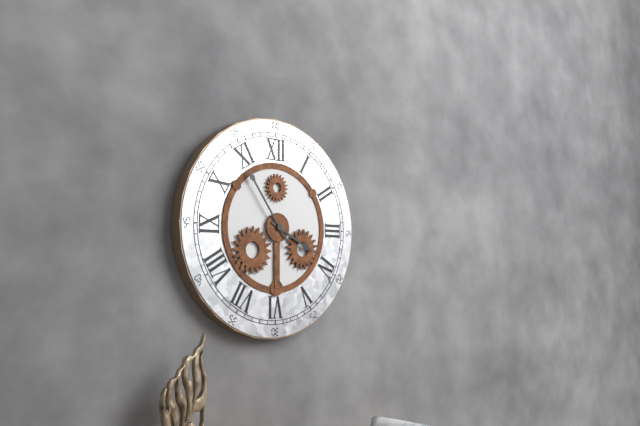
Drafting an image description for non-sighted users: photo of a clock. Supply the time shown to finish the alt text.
3:54
